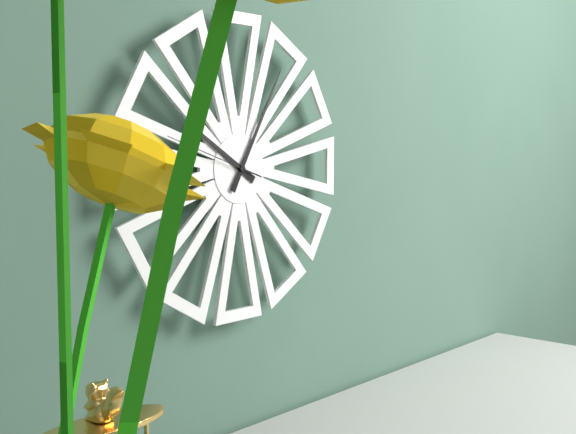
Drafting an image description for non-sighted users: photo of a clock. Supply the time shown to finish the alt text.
10:05:48
